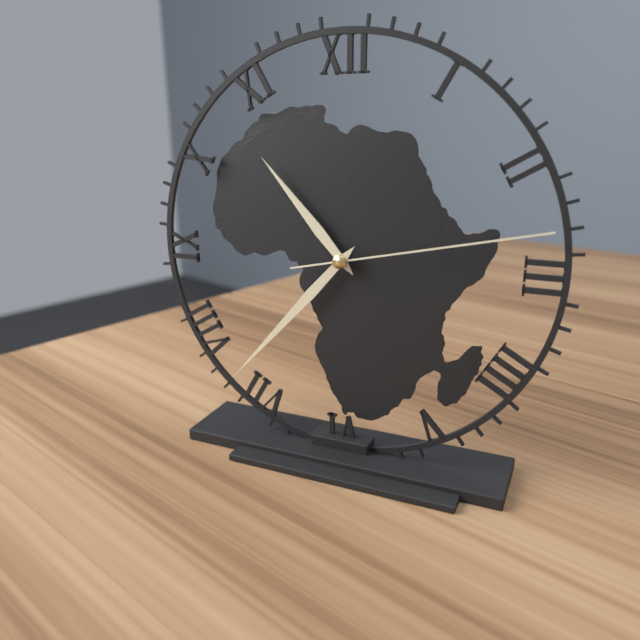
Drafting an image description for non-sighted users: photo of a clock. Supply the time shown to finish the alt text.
10:37:13
